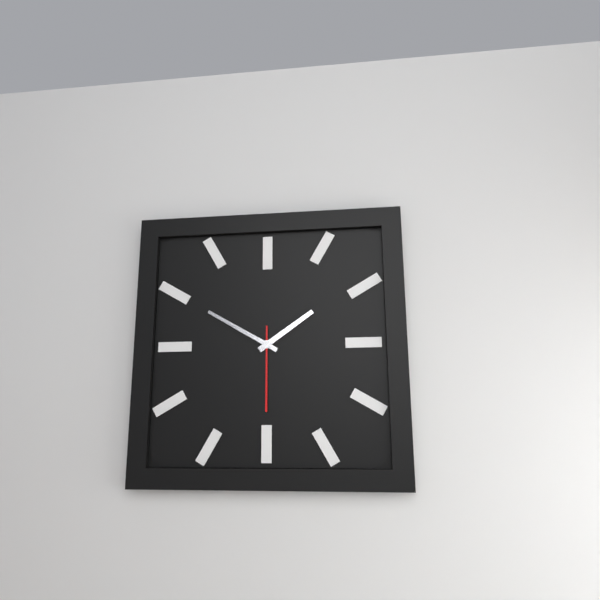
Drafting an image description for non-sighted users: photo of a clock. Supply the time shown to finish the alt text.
1:50:30
